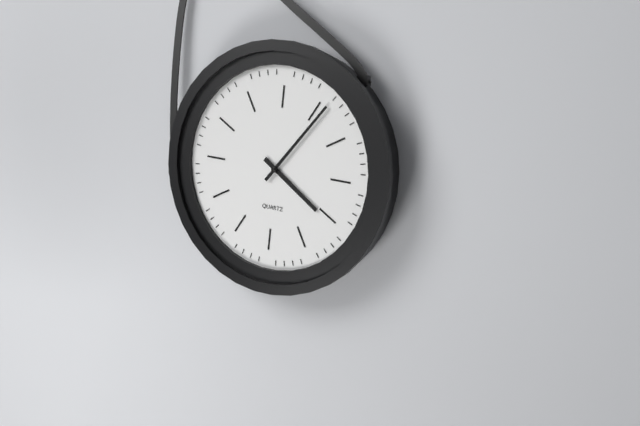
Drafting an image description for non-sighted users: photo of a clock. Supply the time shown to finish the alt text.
4:06
